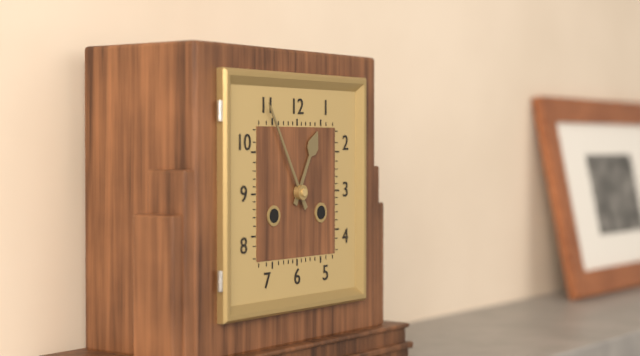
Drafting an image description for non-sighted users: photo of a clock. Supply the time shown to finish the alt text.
12:55
